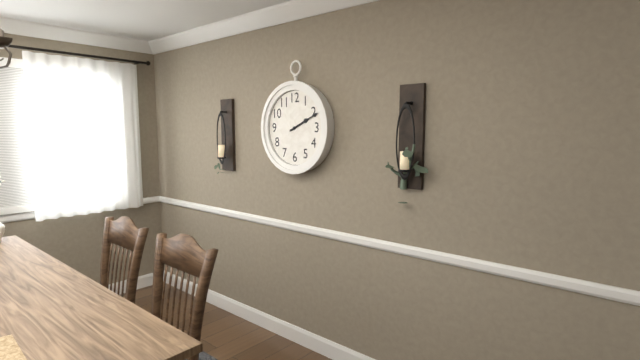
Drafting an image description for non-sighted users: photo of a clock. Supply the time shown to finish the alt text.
2:11
